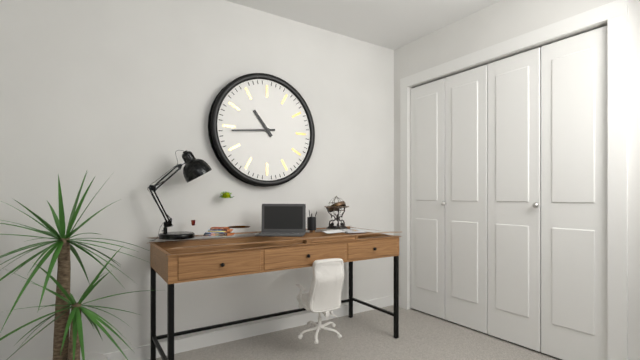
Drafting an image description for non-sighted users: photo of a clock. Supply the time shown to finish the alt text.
10:44
